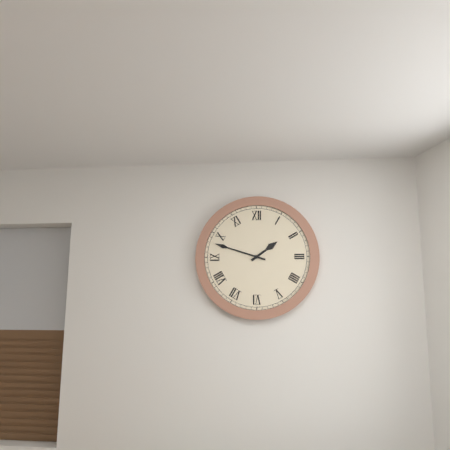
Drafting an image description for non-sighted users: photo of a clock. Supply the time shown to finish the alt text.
1:48
